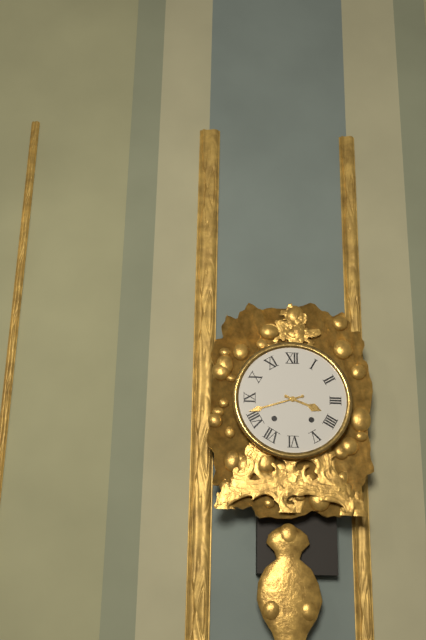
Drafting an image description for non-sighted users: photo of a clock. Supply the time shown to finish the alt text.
3:42
